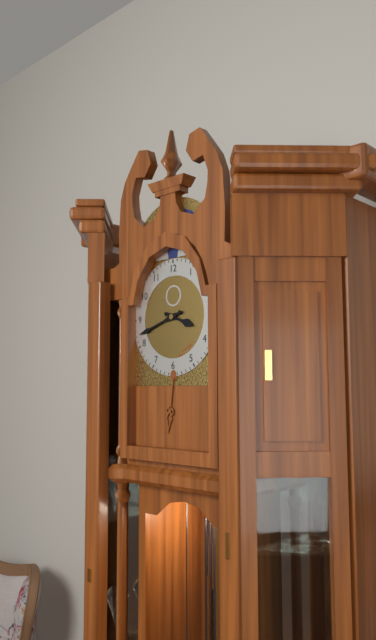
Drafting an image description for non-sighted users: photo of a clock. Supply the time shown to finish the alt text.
3:42
